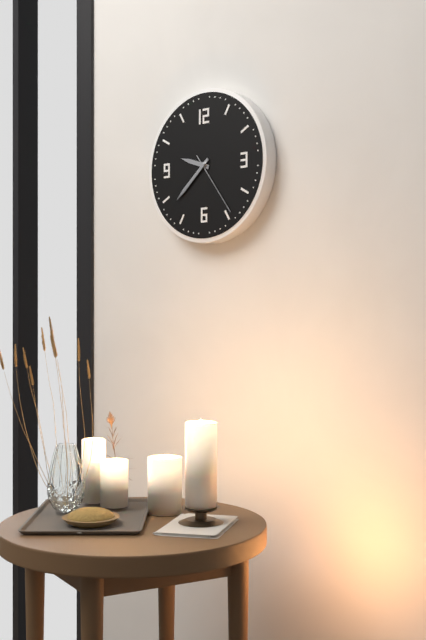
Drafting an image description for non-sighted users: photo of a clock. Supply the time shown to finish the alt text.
9:38:24
